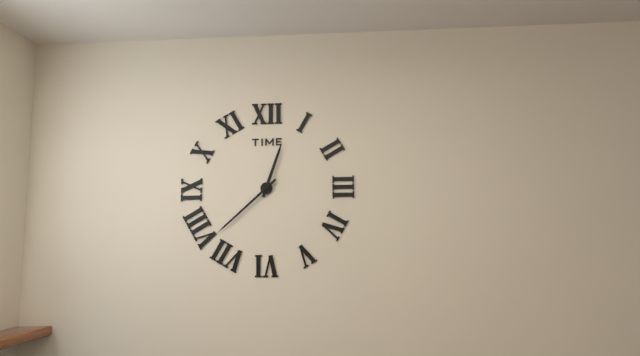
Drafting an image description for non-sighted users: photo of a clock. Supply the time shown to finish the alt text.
12:38
